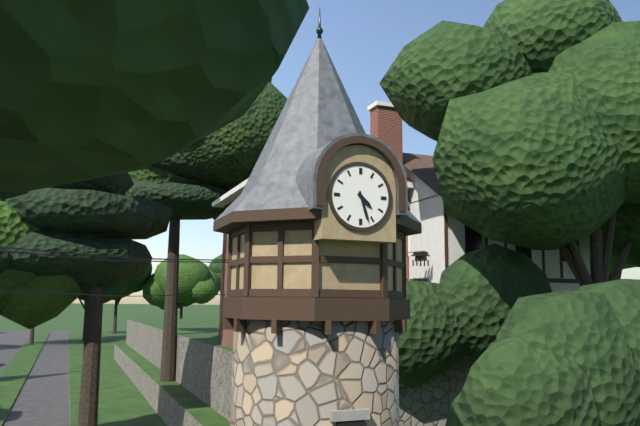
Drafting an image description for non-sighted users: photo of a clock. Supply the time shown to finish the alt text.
4:27
